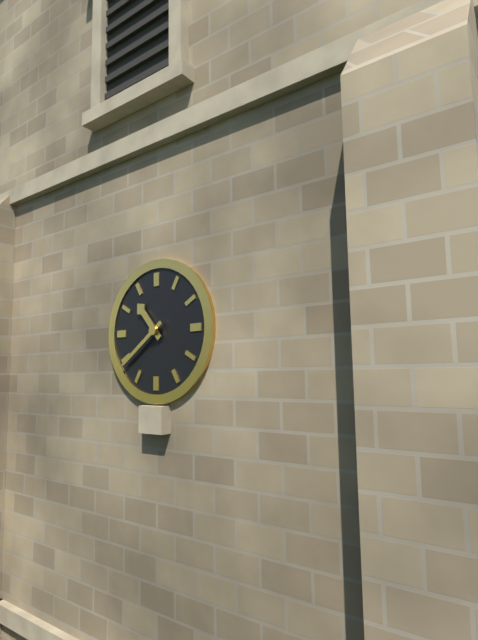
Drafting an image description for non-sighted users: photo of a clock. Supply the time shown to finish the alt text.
10:39
